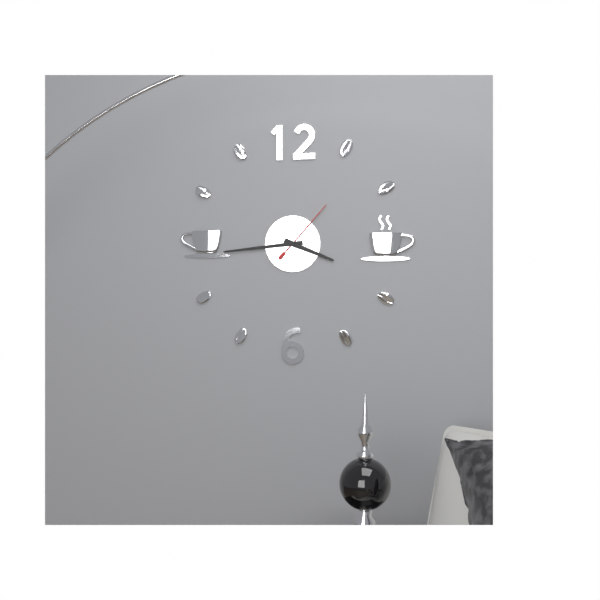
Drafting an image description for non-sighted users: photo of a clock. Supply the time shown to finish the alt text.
3:44:07
